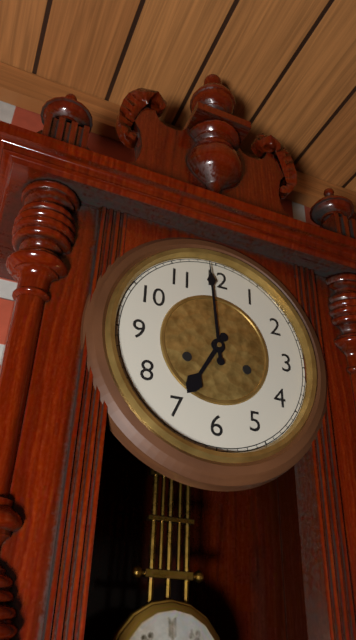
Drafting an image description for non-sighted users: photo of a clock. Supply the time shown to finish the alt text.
6:59
